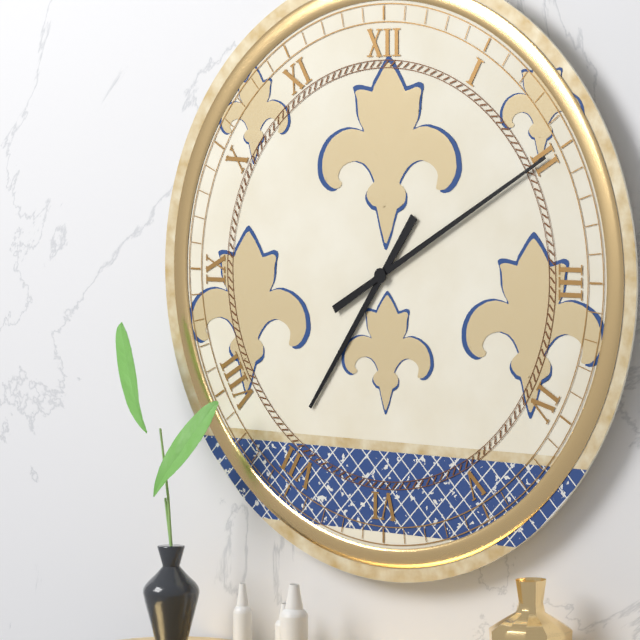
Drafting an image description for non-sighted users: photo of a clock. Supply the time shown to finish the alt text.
7:10
